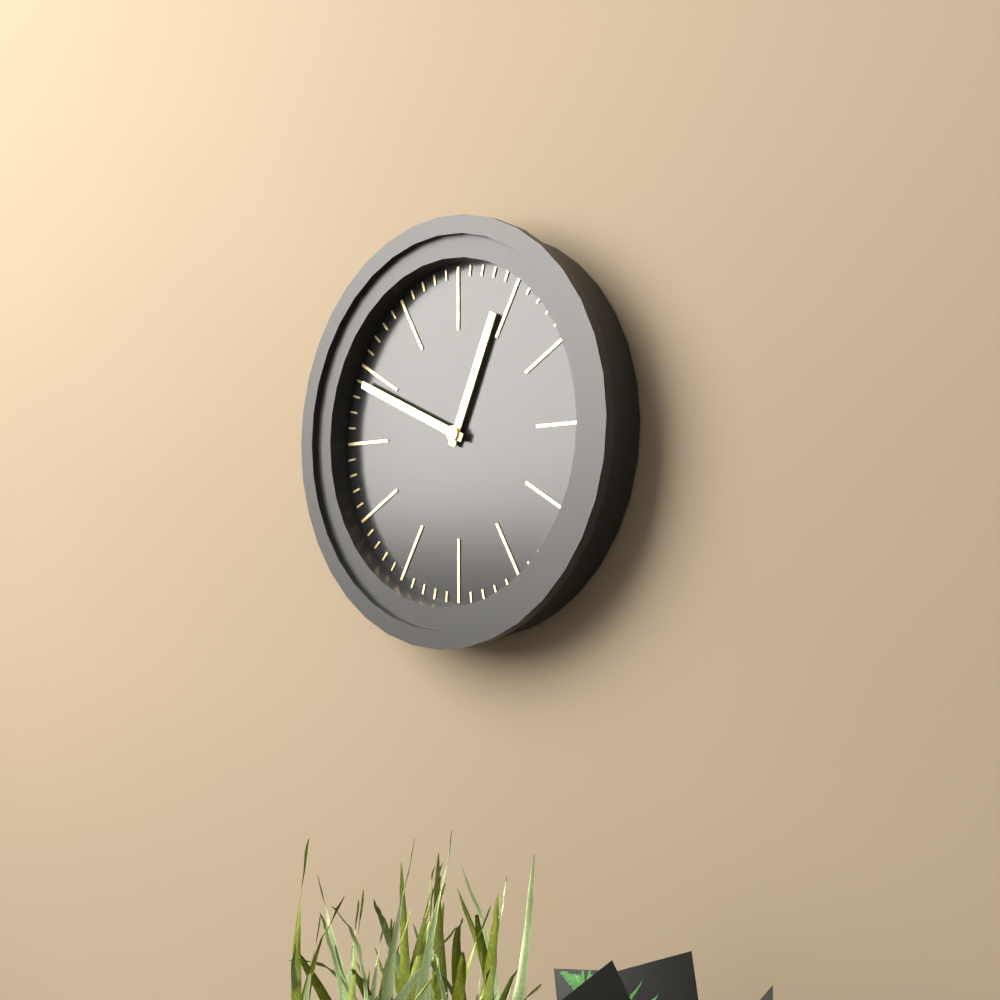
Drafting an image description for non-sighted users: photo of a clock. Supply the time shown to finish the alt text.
12:49
